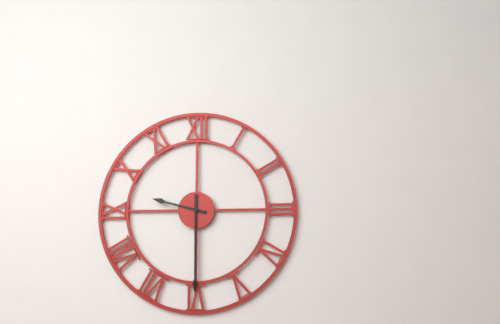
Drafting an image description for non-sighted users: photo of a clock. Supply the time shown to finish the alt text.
9:30
